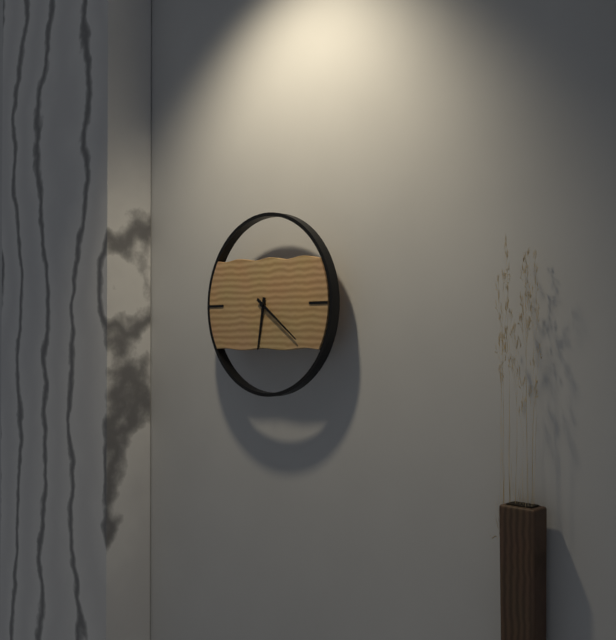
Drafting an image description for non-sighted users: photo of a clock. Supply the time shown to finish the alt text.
6:21
